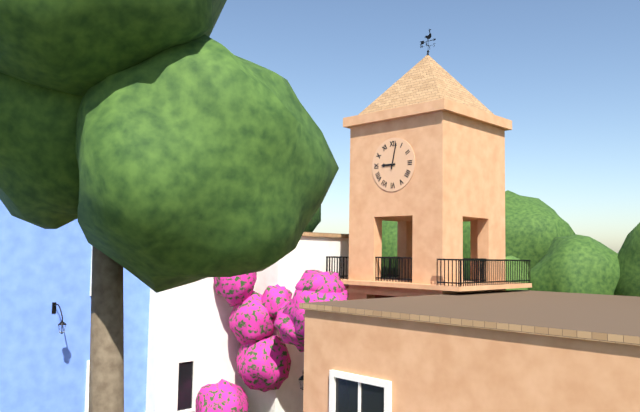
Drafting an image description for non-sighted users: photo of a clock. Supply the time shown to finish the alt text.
9:02
